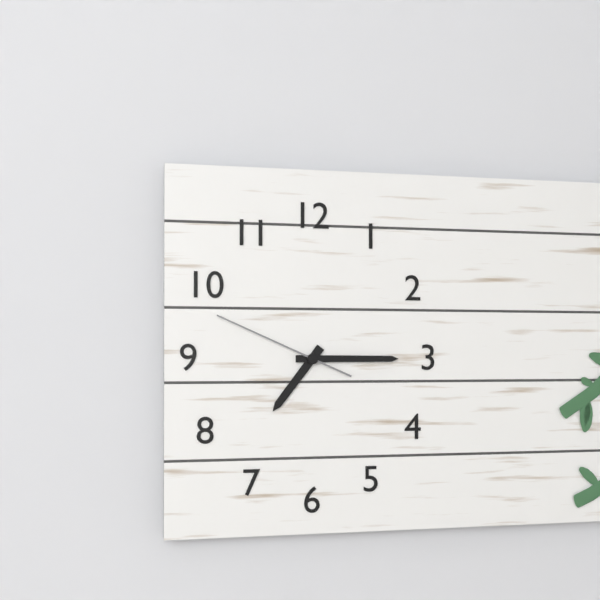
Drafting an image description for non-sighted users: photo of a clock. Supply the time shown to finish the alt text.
7:15:49
